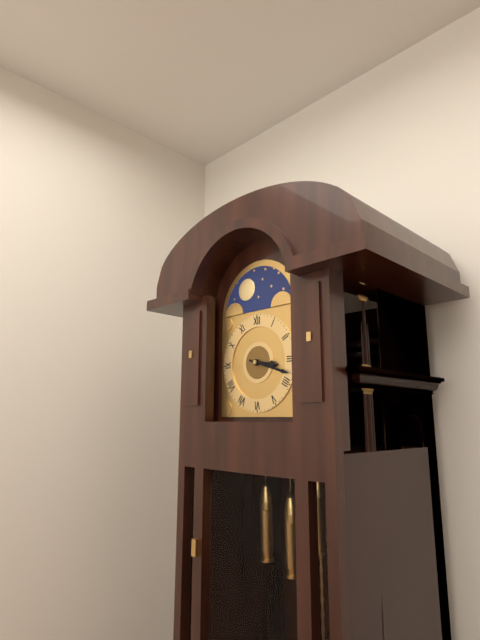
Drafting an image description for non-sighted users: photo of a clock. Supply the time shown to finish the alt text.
3:18
